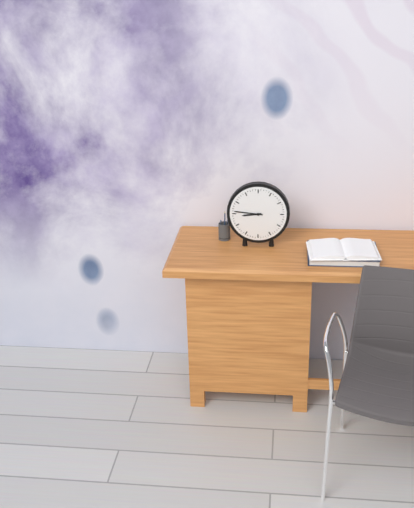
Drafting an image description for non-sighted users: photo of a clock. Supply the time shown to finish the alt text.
8:46
